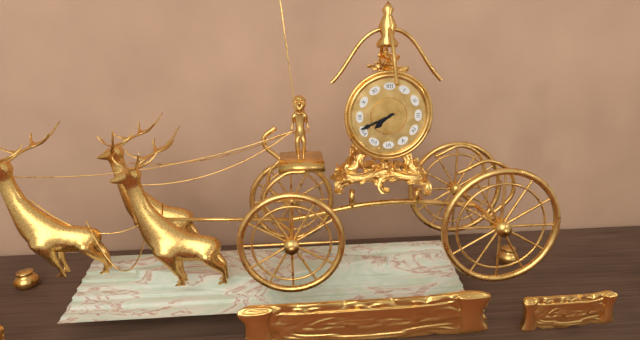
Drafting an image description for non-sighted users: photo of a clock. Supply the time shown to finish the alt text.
7:41
